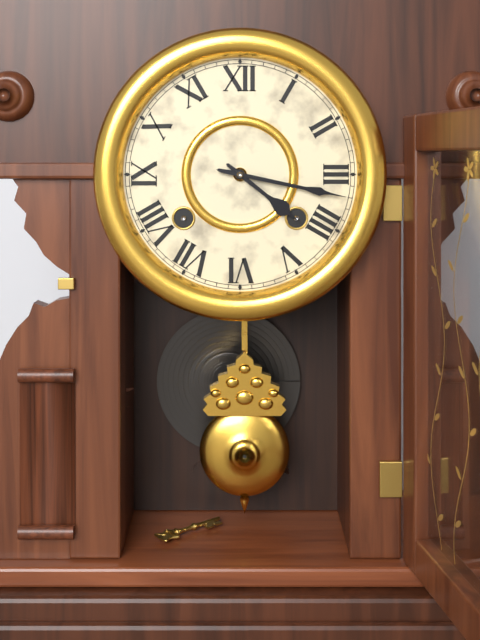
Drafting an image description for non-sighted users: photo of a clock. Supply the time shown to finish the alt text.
4:17
